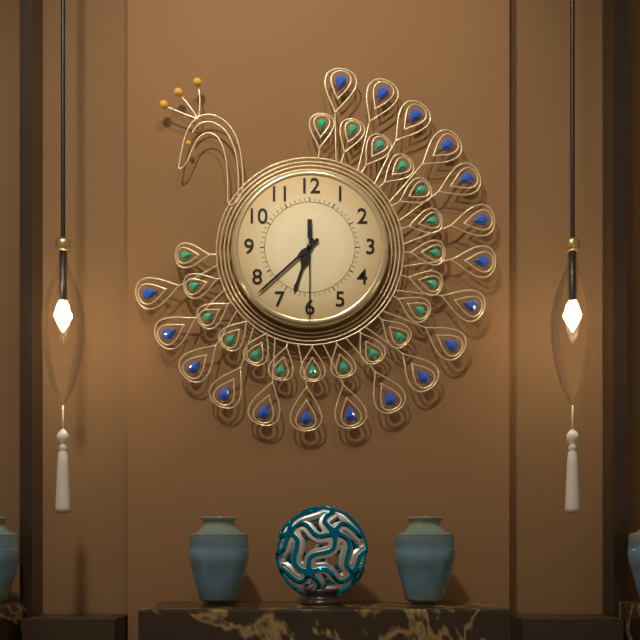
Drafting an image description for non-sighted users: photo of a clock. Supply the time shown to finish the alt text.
6:38:30
